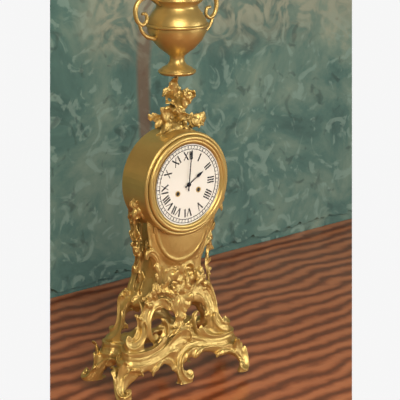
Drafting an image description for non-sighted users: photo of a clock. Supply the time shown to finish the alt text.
2:01
